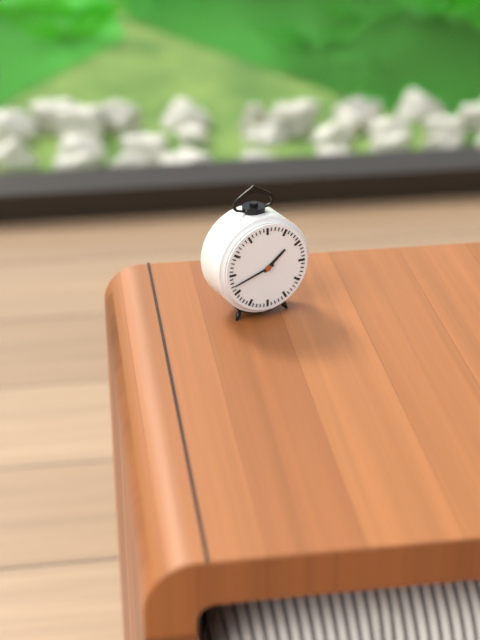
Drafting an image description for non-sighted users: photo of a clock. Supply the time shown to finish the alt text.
1:42
